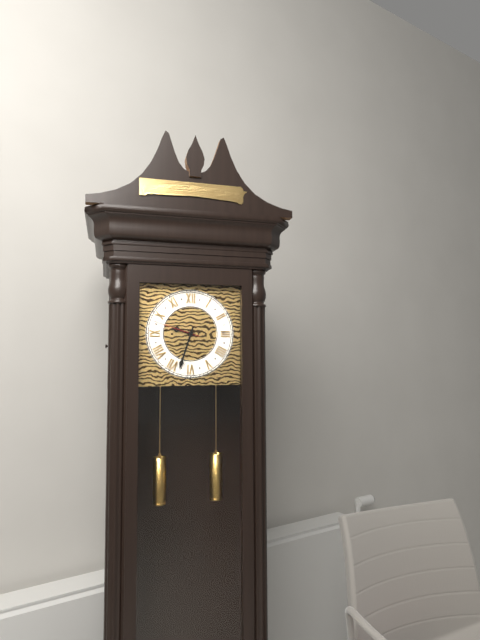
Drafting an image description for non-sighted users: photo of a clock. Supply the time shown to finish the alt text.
9:33
